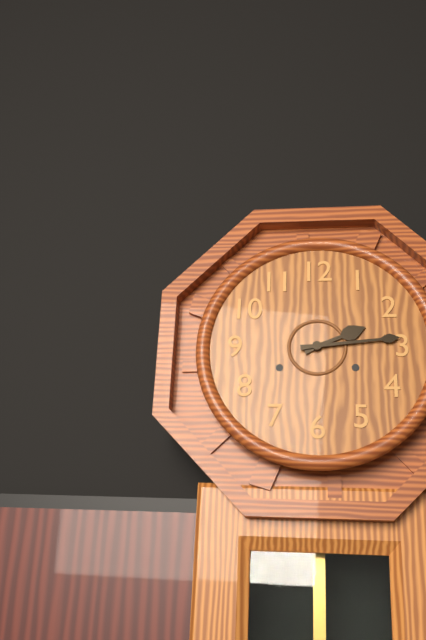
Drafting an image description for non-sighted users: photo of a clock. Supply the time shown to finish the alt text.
2:14
